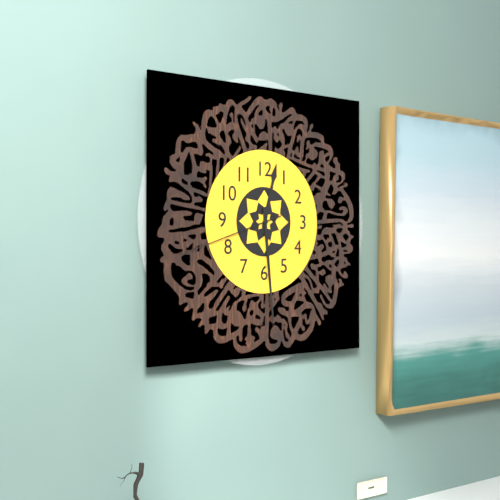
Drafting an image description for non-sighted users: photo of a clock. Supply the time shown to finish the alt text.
12:29:42
